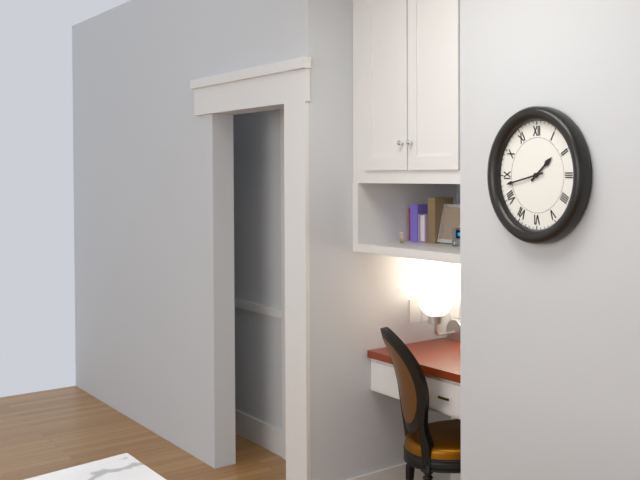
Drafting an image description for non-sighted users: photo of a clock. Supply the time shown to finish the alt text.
1:43
